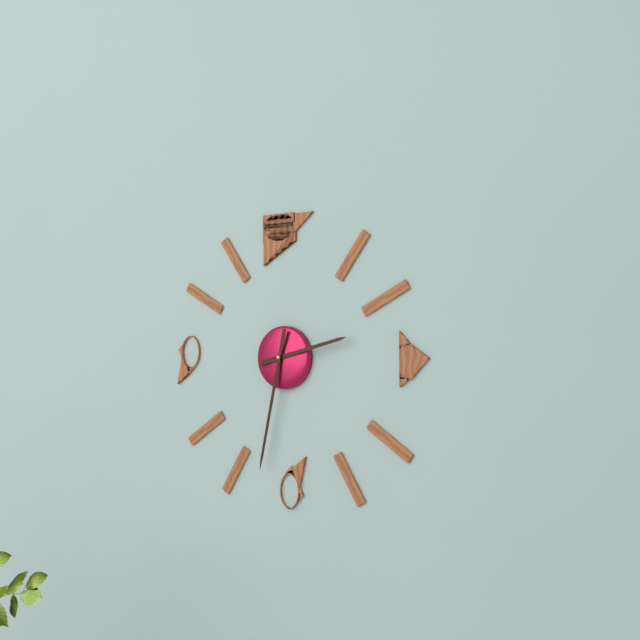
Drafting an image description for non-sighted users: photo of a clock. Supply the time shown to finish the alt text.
2:32
